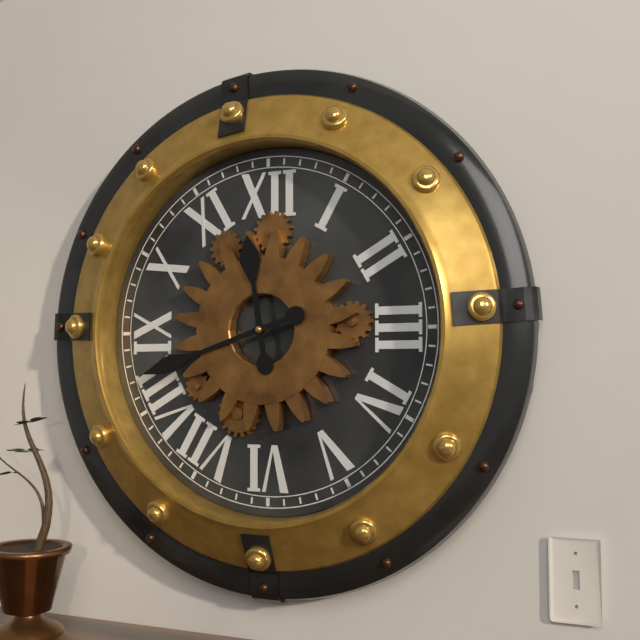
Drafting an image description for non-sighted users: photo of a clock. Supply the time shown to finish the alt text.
11:42
